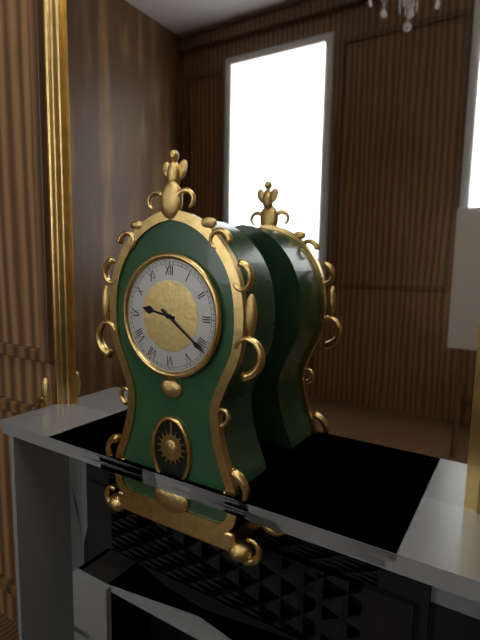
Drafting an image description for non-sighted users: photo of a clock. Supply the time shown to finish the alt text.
9:21
